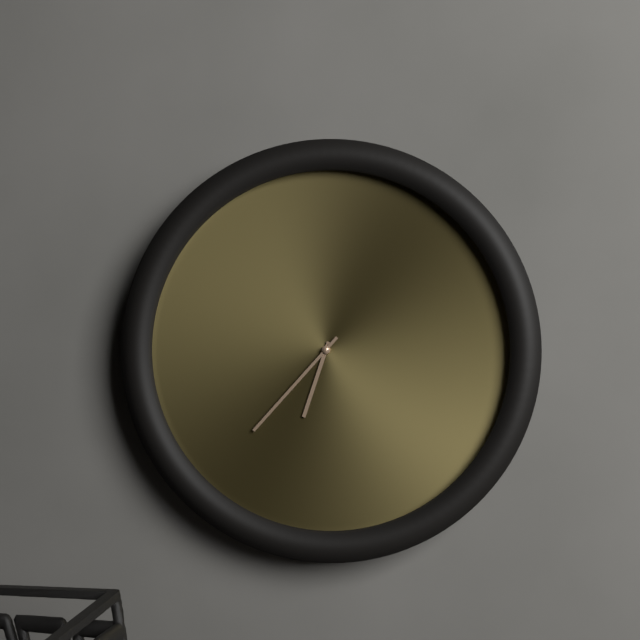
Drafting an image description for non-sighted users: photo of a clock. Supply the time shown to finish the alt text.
6:37
